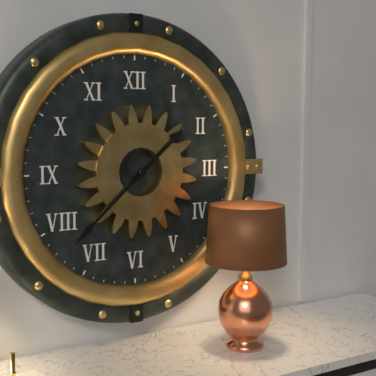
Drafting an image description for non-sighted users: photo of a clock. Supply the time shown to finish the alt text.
1:38
